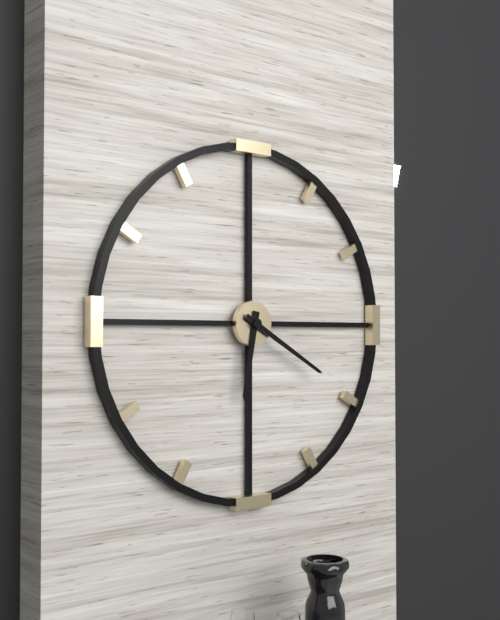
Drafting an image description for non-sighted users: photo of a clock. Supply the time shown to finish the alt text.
6:20
